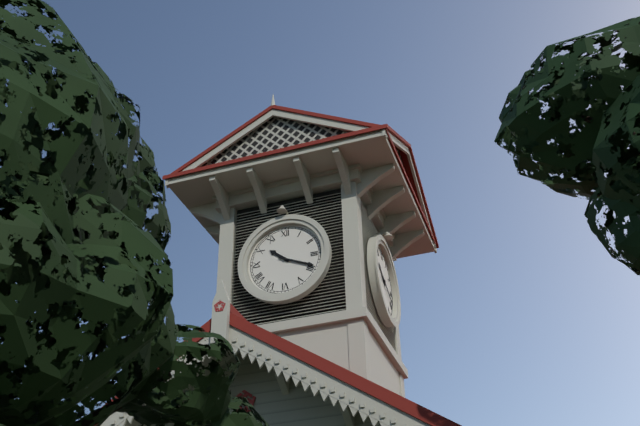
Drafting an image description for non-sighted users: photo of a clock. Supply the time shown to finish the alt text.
10:19
